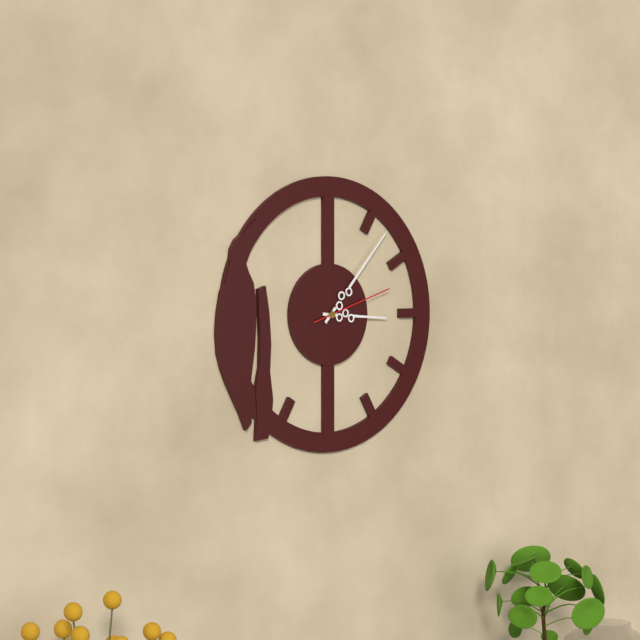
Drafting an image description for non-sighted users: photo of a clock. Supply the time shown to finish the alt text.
3:07:12
